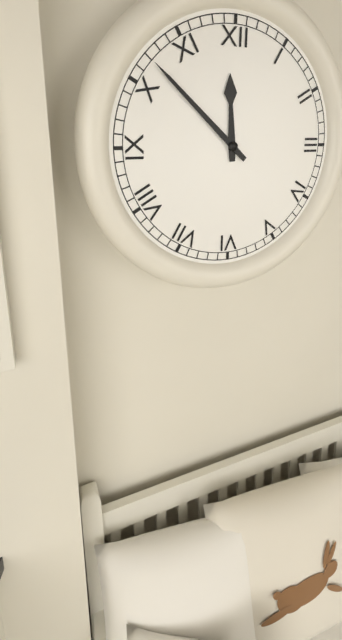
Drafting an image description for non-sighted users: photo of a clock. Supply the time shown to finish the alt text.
11:52
